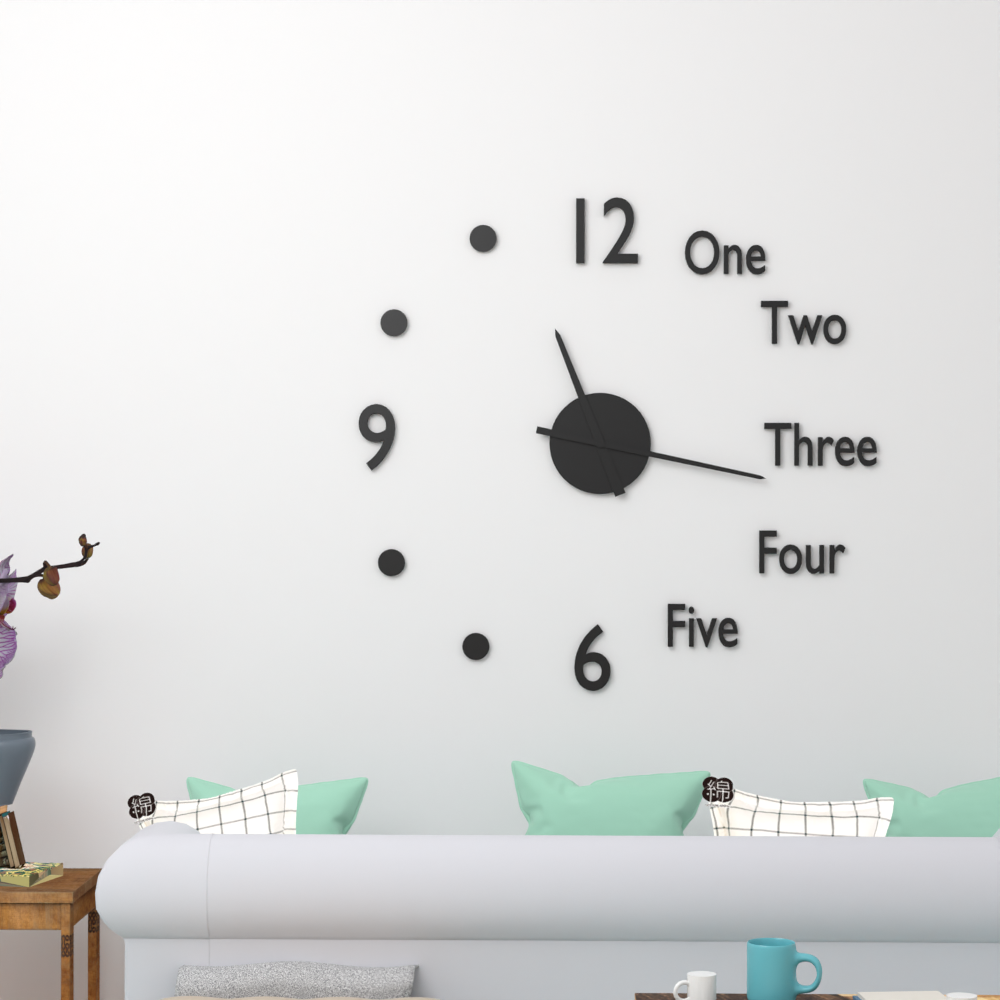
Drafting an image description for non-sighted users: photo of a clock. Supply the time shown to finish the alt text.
11:17
